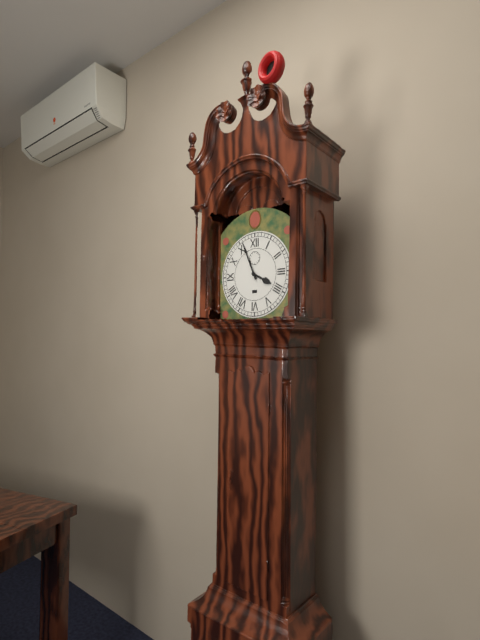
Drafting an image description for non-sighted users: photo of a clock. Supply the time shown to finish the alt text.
3:56
